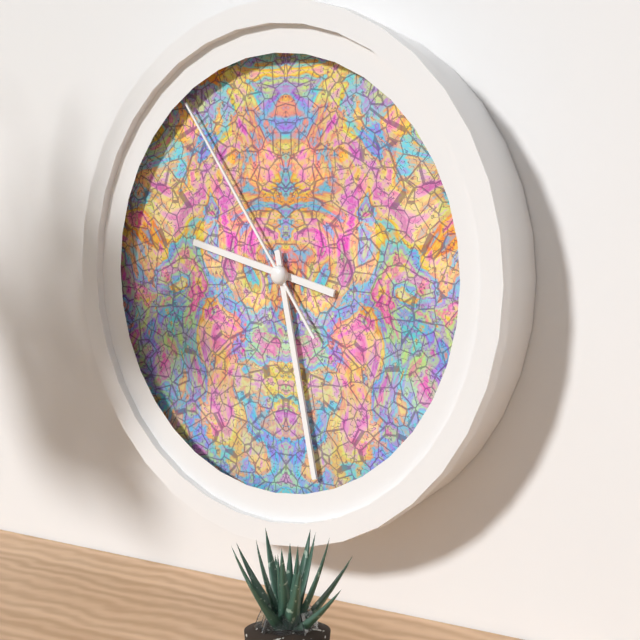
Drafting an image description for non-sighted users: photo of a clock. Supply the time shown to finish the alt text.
9:28:54
